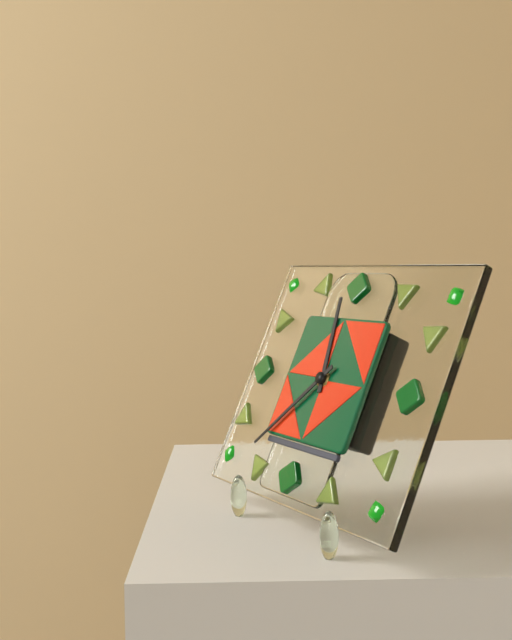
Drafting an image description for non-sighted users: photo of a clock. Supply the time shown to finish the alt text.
11:37
